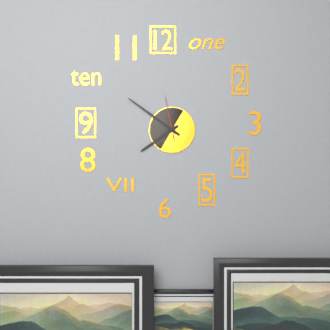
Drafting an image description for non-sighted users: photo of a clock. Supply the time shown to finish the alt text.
7:51
